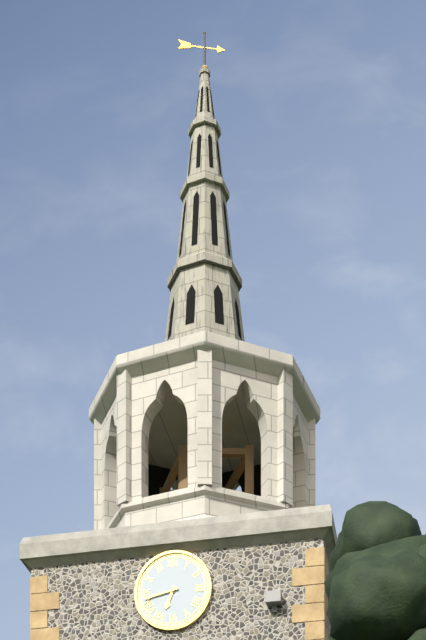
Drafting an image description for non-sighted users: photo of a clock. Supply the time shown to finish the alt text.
6:43
